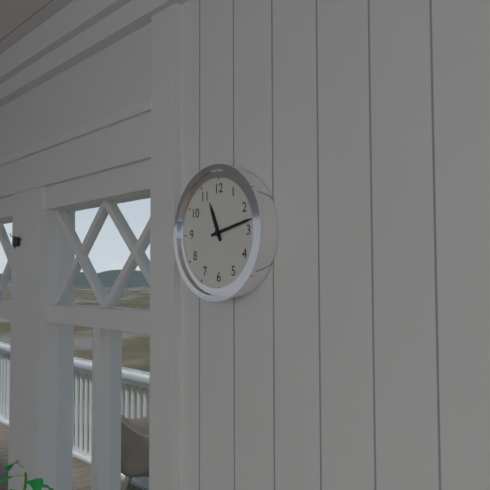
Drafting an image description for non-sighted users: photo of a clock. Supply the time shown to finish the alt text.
11:13
